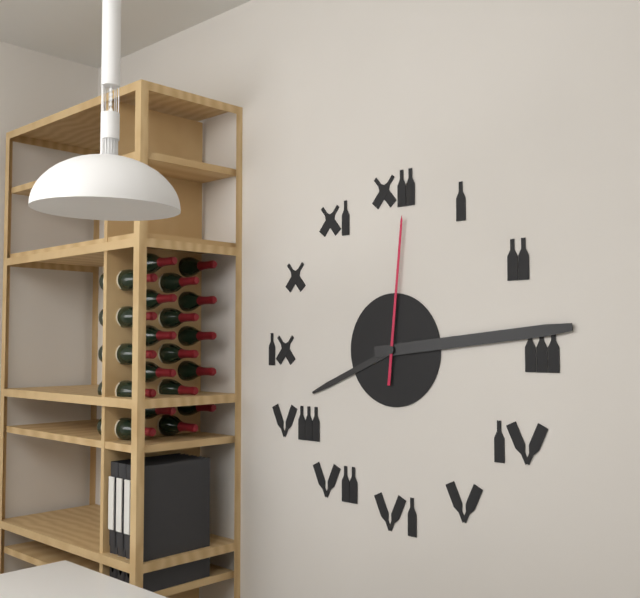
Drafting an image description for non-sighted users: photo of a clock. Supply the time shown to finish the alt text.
8:14:01
